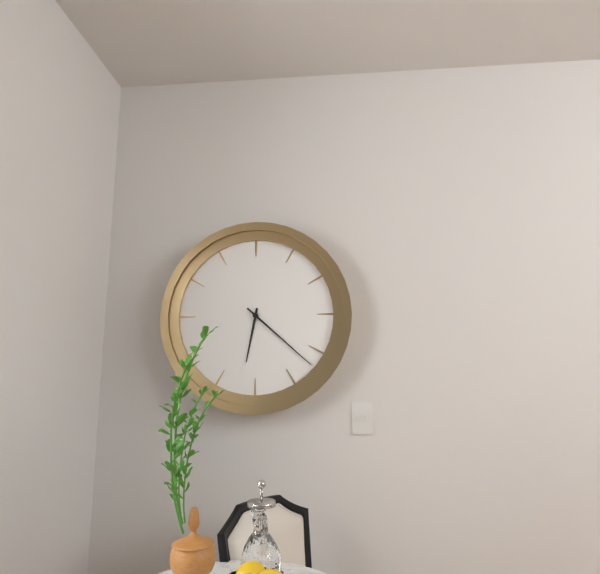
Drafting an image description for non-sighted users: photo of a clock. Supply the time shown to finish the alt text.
6:22
